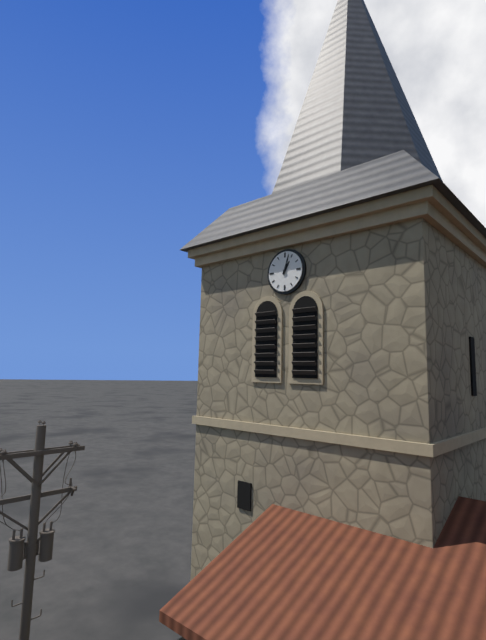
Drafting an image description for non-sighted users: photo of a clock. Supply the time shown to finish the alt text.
1:03
